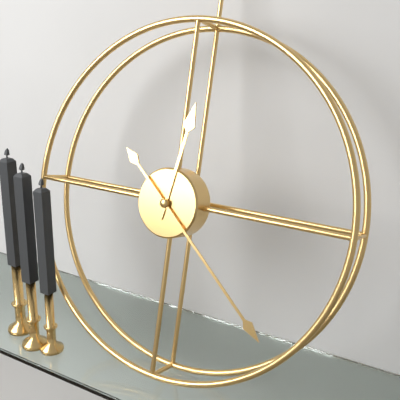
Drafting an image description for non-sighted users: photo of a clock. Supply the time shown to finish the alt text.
12:22
